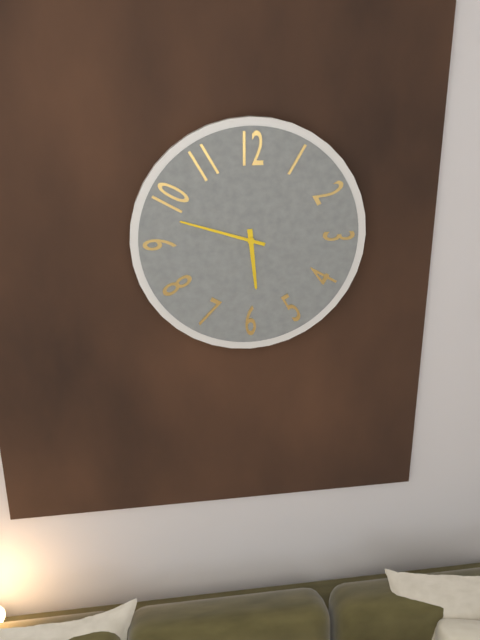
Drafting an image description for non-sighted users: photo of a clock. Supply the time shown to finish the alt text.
5:48
